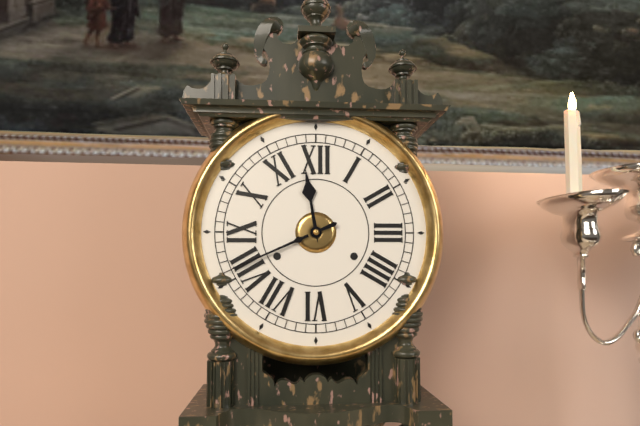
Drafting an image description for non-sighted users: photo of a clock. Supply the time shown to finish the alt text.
11:41
